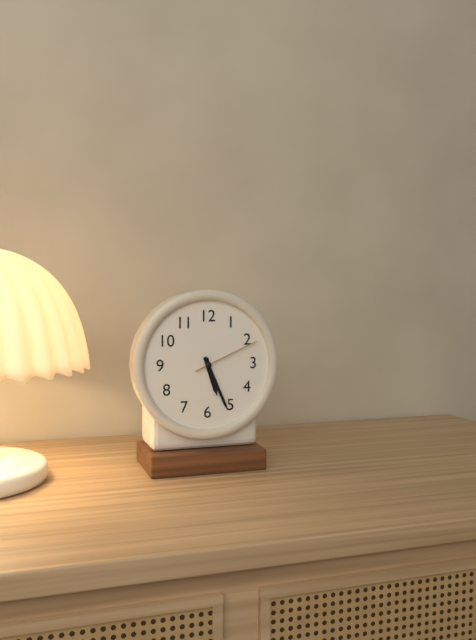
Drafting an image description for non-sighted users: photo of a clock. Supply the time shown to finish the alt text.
5:26:11
